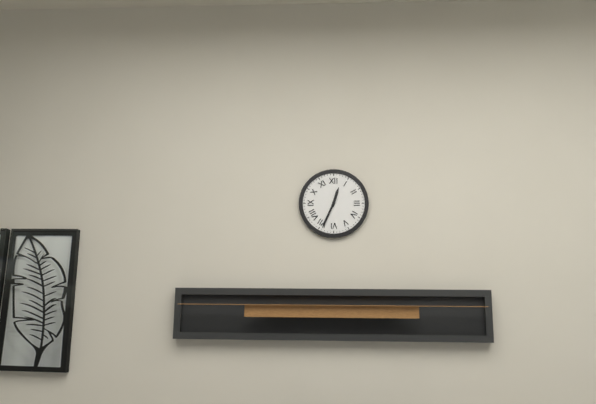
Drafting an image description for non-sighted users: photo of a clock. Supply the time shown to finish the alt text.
12:34
